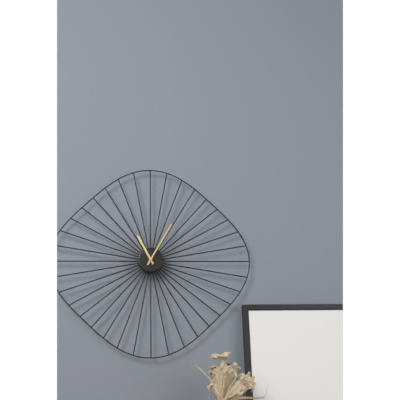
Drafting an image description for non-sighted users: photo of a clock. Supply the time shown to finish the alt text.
11:05
